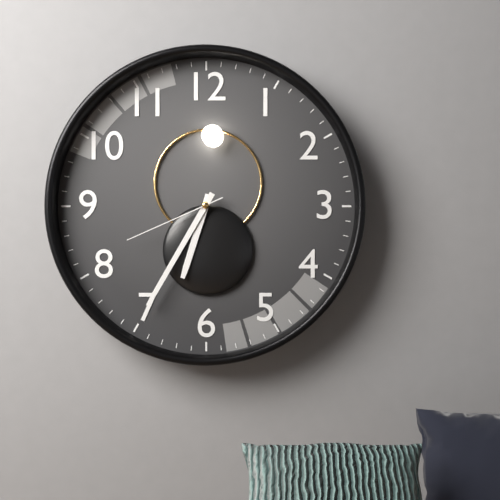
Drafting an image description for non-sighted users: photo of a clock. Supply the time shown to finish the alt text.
6:35:41
